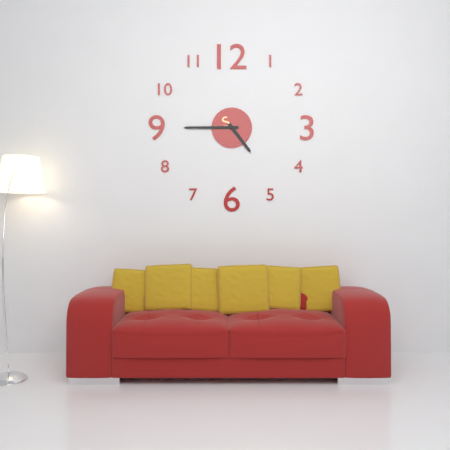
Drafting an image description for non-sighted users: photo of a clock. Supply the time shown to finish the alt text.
4:45
